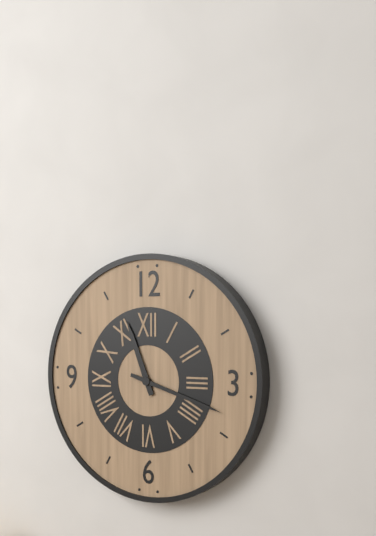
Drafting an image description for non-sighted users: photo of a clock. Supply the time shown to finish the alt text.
11:18
